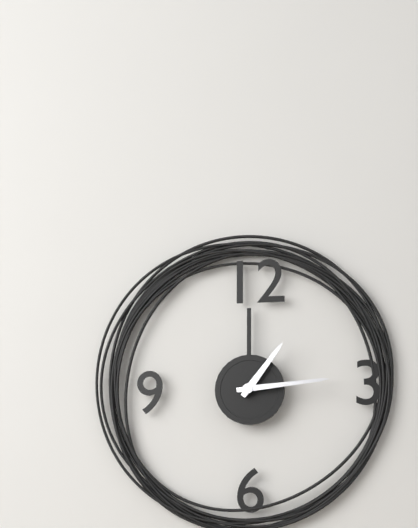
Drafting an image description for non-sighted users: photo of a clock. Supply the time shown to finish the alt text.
1:14
